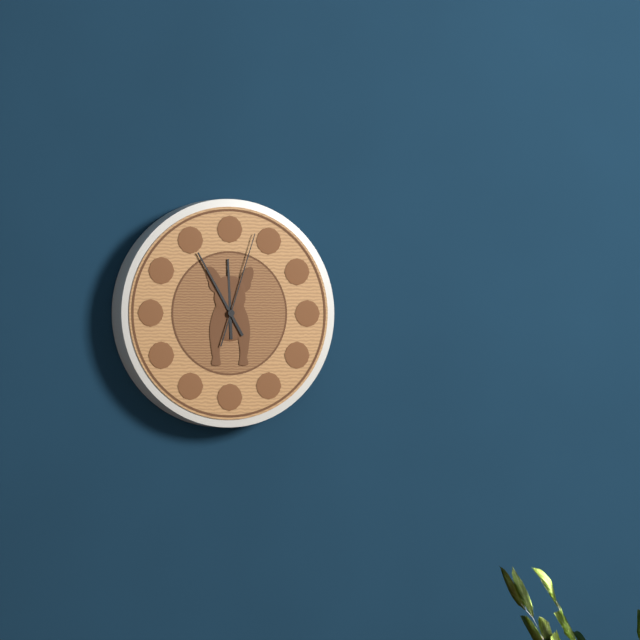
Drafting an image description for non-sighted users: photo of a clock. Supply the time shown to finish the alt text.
11:55:03
